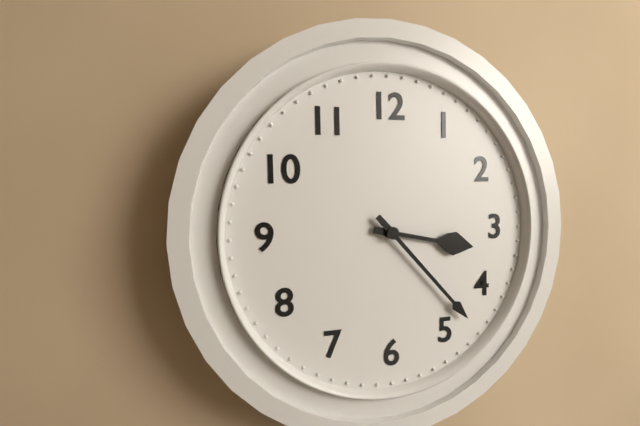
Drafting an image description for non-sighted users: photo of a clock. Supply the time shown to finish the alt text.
3:23
